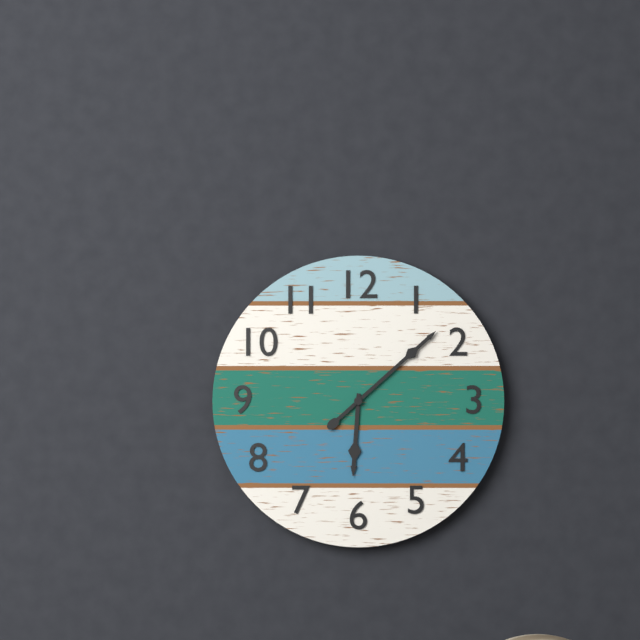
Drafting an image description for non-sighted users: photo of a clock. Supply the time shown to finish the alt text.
6:08
